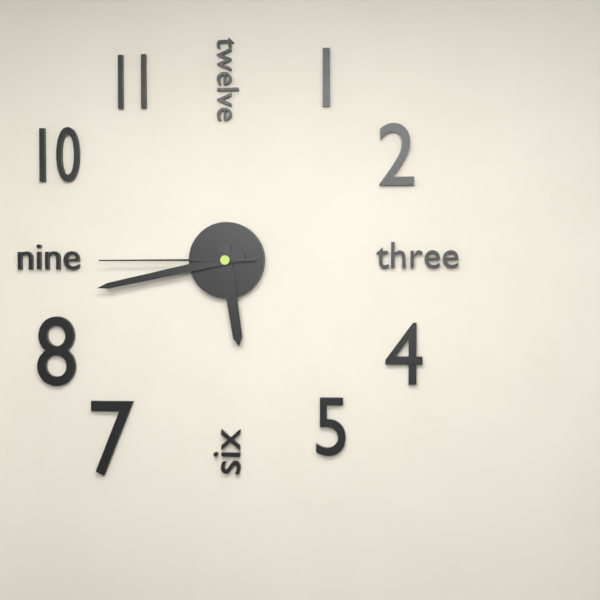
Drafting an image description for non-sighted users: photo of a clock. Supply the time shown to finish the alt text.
5:43:45
